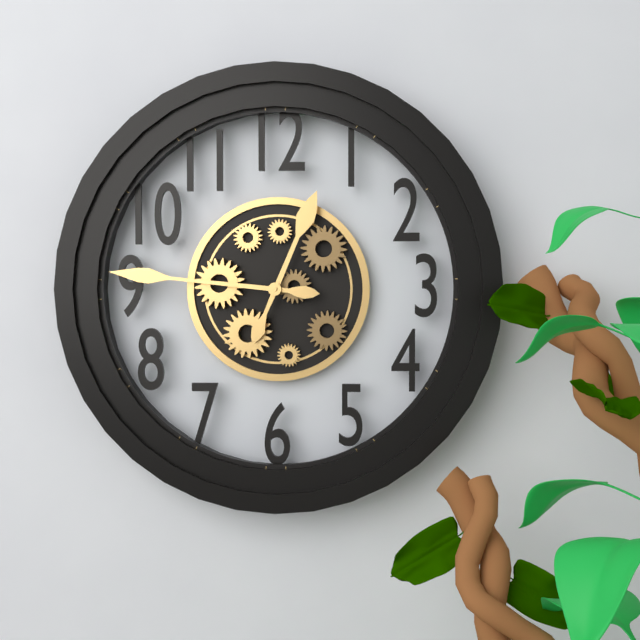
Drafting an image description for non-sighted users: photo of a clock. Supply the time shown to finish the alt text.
12:46
